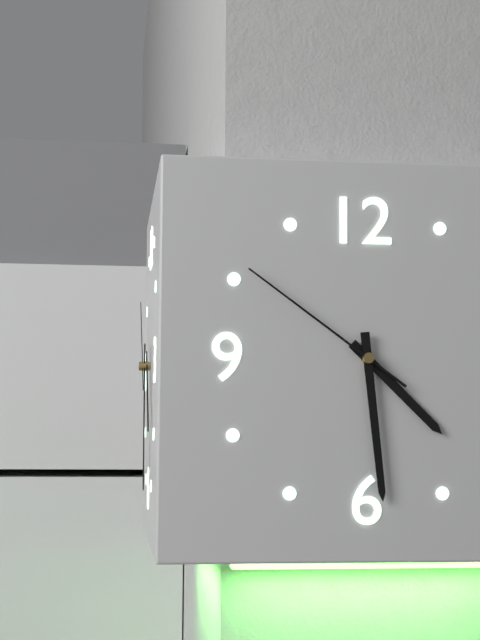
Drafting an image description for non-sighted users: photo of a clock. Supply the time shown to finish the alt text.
4:29:51
